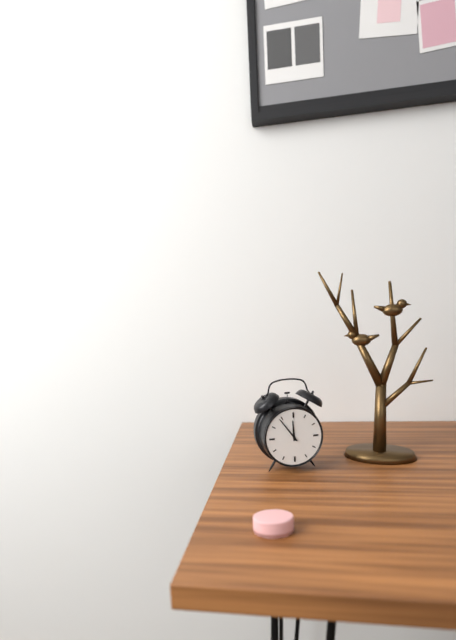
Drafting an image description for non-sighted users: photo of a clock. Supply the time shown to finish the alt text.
11:54
